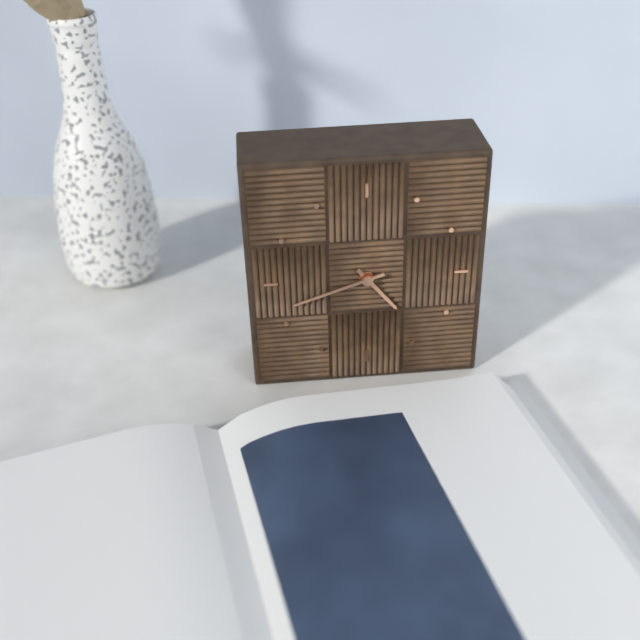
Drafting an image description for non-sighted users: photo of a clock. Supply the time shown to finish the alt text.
4:42
